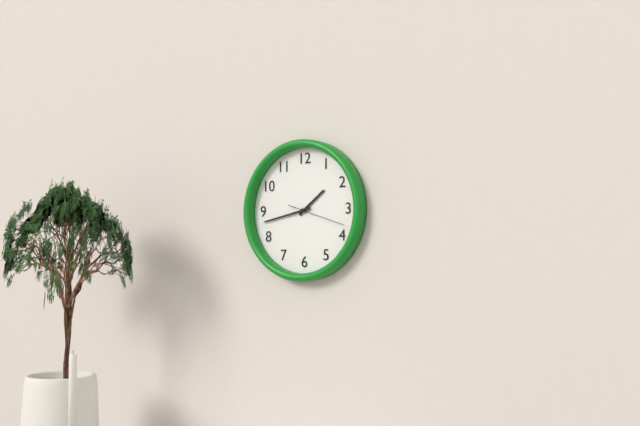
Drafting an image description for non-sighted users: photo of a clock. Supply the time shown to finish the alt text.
1:43:18
